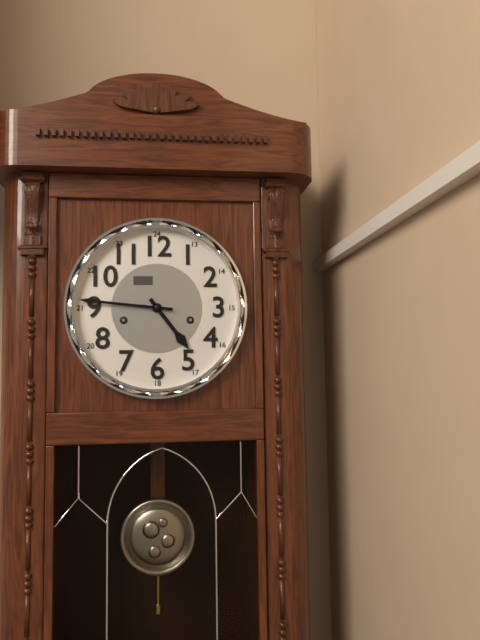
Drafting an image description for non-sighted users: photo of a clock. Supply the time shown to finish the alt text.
4:46
